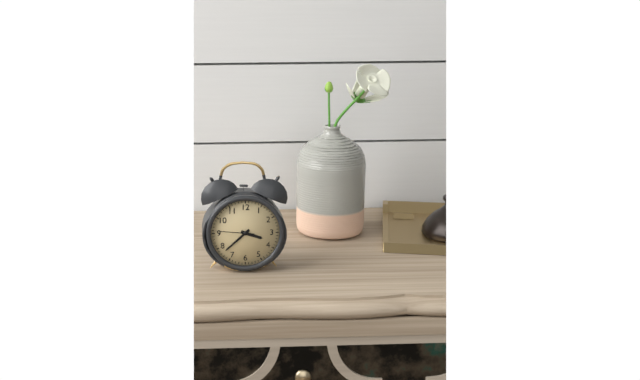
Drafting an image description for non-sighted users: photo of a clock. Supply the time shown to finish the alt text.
3:38
